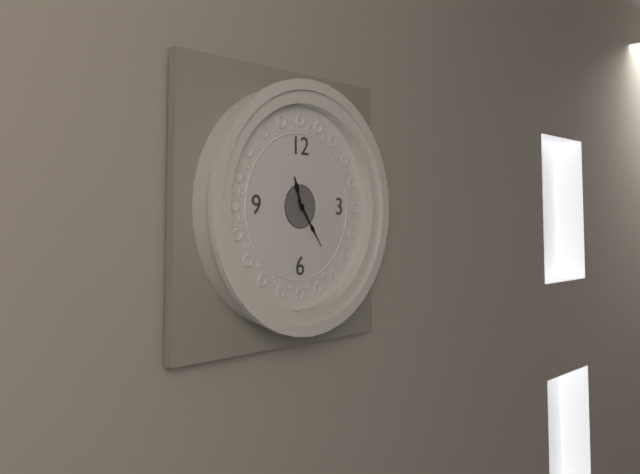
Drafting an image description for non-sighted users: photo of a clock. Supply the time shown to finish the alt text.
11:24
